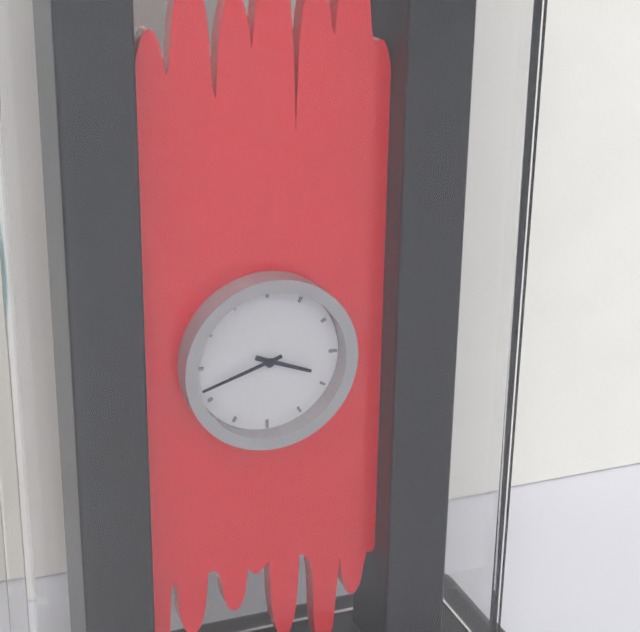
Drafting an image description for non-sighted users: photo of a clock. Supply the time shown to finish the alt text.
3:42
